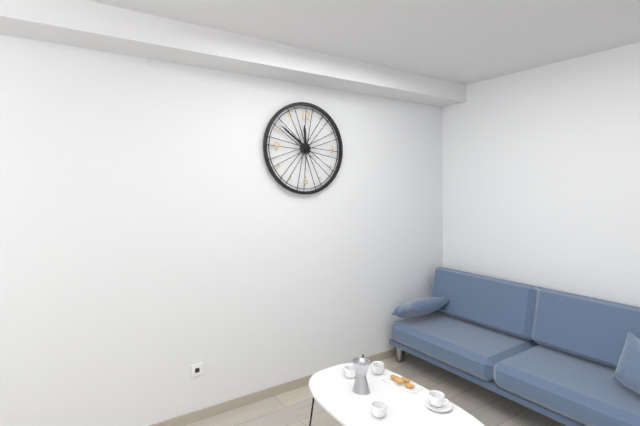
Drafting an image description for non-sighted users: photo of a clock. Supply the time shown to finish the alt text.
11:51
